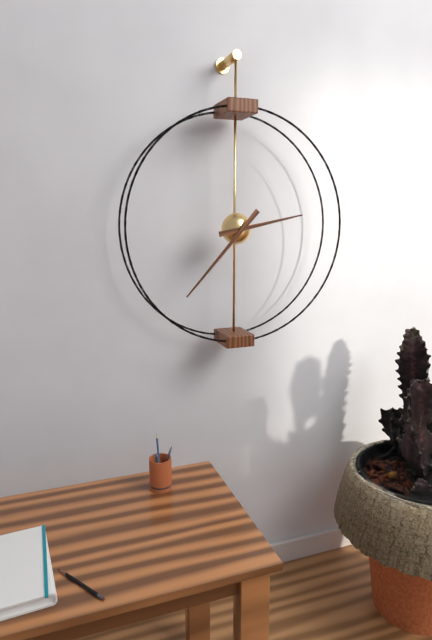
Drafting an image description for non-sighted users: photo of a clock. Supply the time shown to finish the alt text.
2:37
